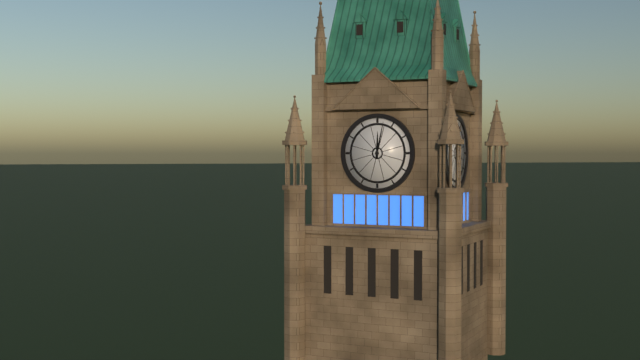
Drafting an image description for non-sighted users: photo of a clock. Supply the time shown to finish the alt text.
12:02
